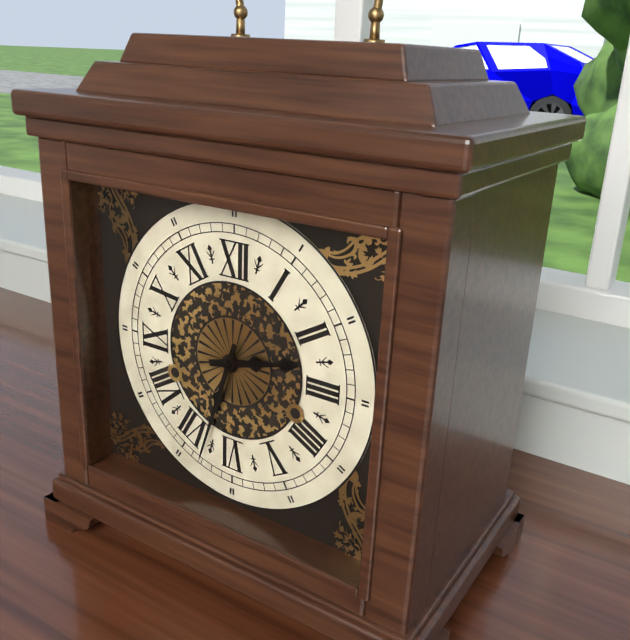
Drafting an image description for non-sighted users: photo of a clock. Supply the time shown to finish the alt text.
2:33
